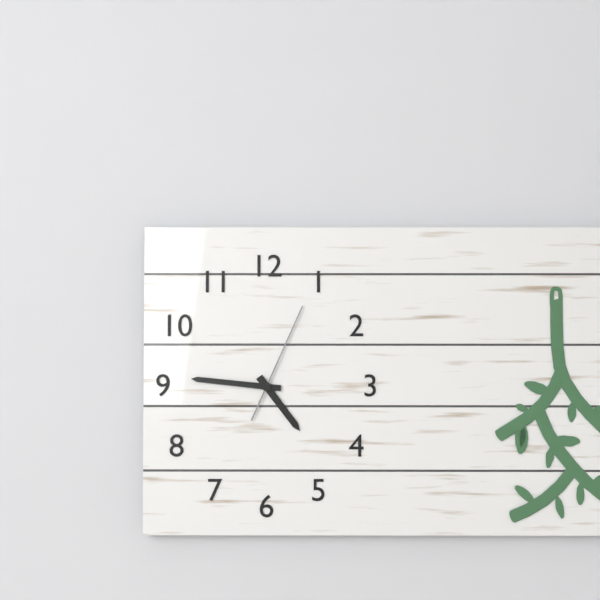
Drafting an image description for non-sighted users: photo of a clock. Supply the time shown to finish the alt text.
4:46:04
